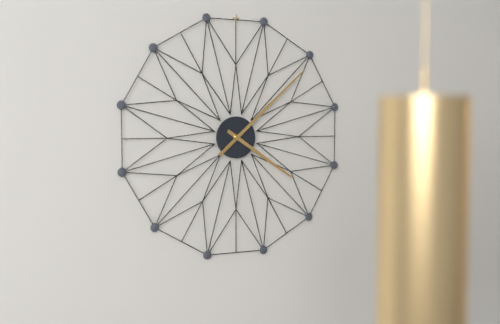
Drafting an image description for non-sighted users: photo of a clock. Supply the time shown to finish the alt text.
4:08
